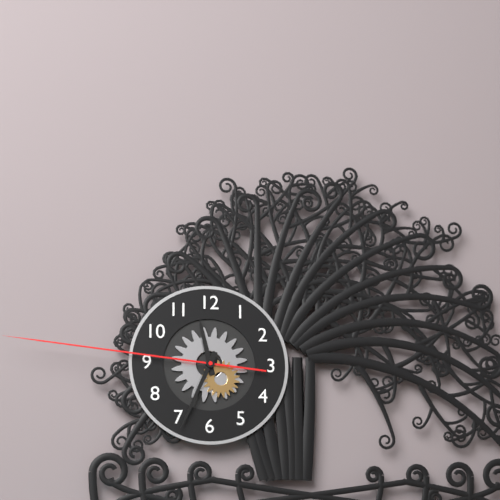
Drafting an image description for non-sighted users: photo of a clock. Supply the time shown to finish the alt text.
11:34:46
